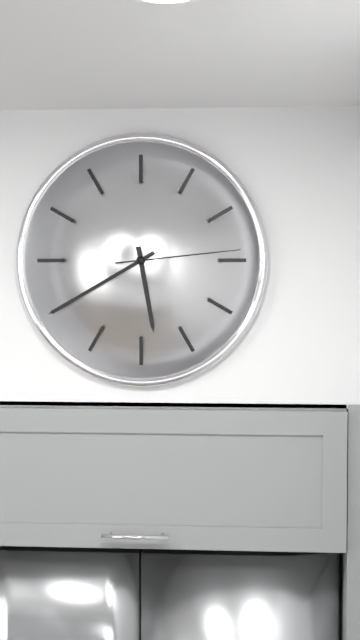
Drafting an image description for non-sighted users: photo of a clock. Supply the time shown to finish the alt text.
5:40:14
